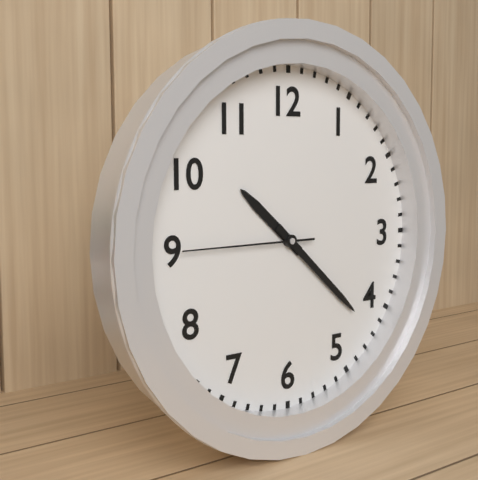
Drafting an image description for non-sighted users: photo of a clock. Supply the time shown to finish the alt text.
10:22:45
